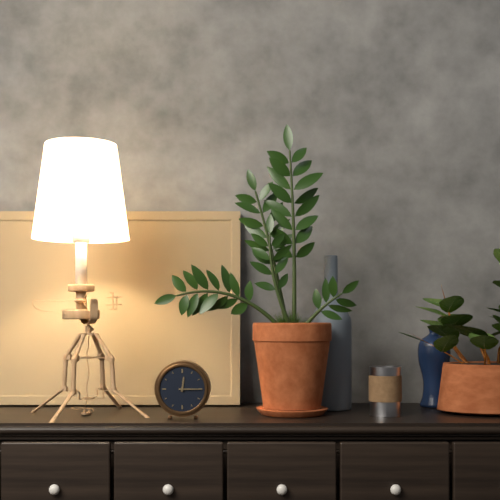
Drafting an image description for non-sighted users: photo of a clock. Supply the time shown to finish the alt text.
12:15
